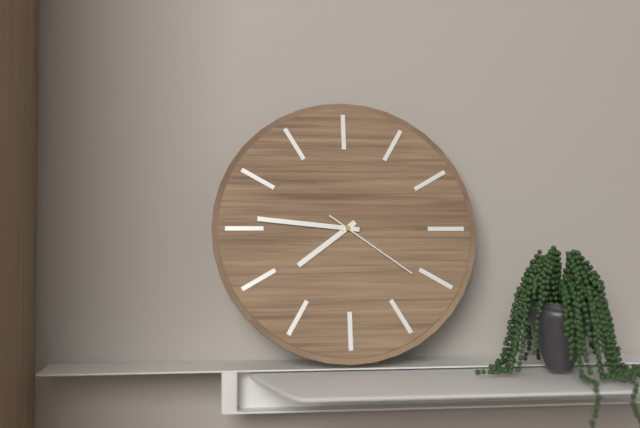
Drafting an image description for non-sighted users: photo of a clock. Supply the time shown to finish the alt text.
7:46:21
